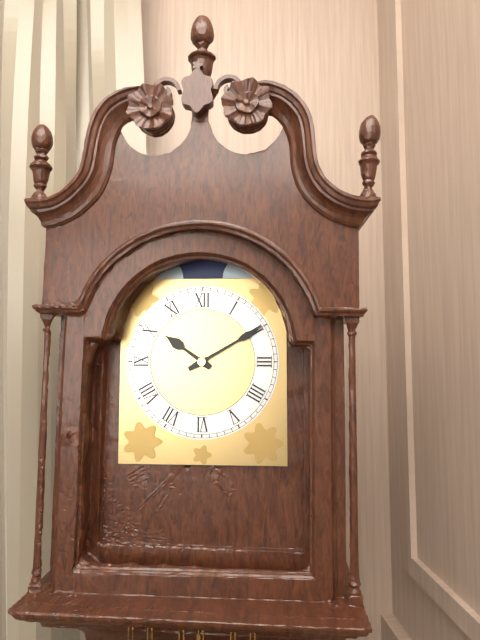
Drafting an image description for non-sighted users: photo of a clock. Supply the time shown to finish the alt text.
10:10
